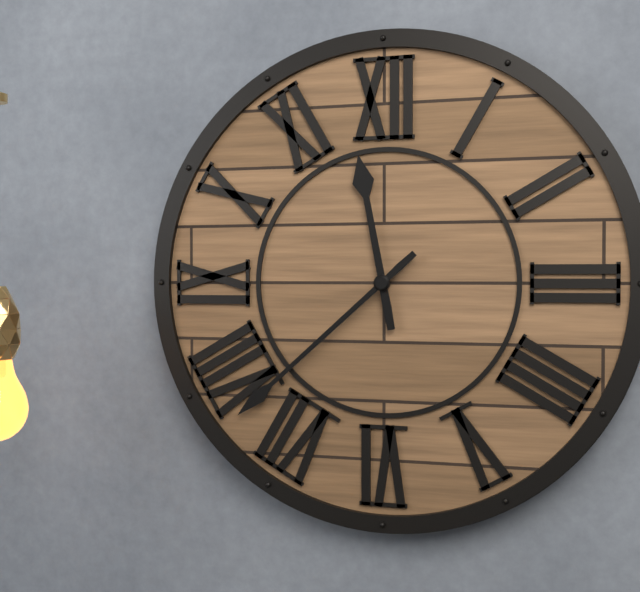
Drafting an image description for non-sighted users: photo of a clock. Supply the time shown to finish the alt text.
11:38
